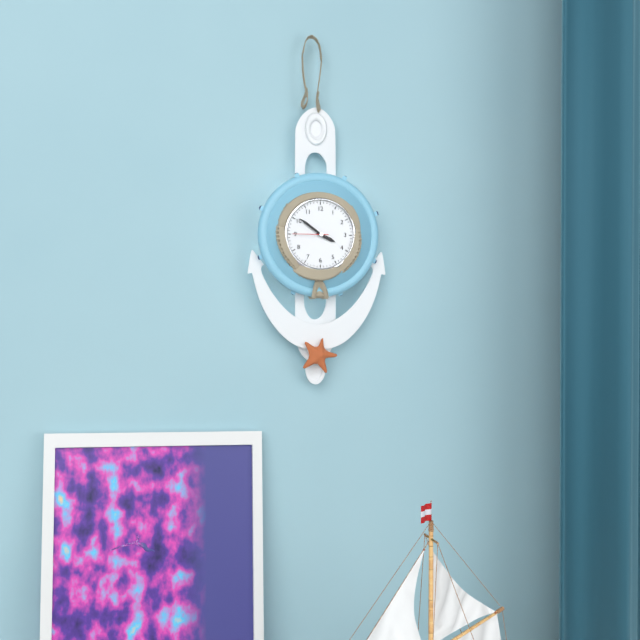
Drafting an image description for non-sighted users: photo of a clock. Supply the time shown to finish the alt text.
3:51
